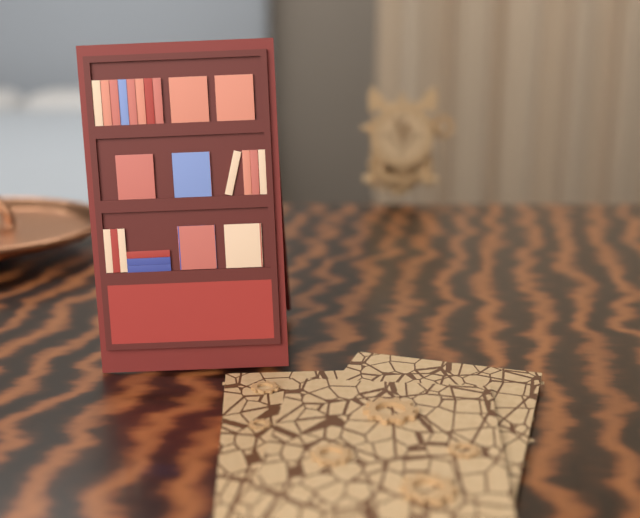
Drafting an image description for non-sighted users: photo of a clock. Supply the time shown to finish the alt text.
12:56
